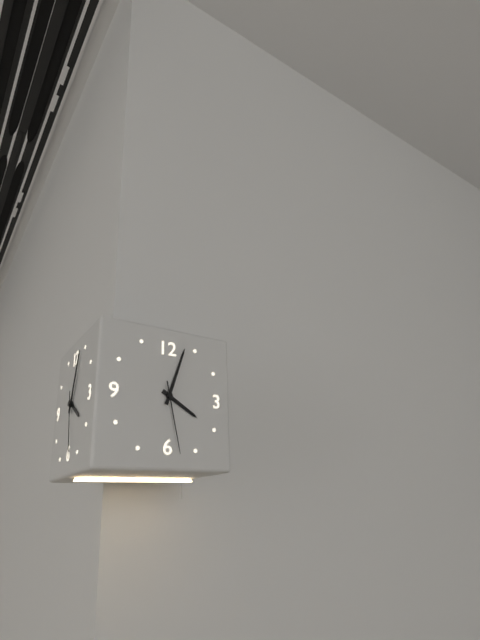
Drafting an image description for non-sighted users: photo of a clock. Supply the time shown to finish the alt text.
4:03:28
